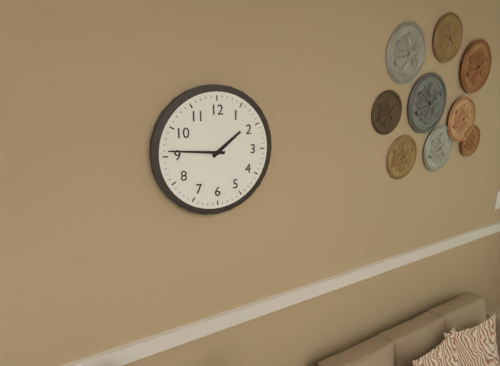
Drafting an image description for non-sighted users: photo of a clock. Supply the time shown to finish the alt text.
1:46
